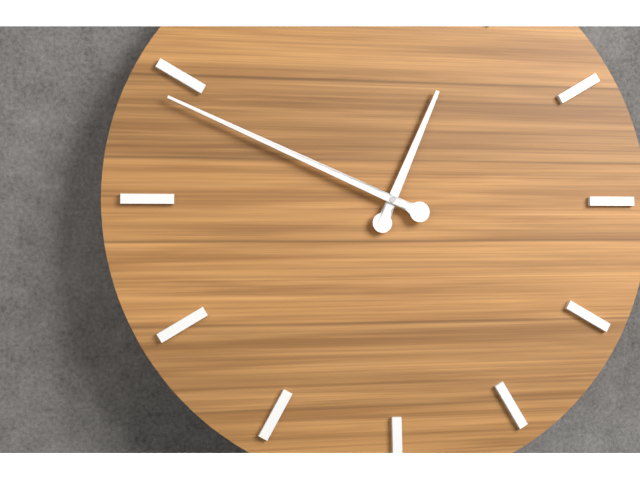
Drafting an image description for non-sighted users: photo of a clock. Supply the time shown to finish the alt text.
12:49
